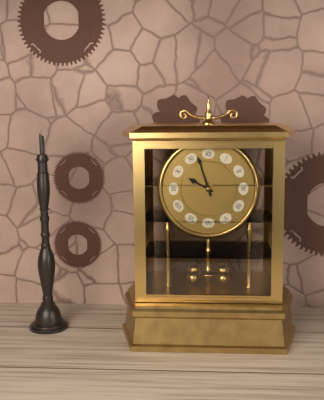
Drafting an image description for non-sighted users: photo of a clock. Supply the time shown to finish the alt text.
9:57
